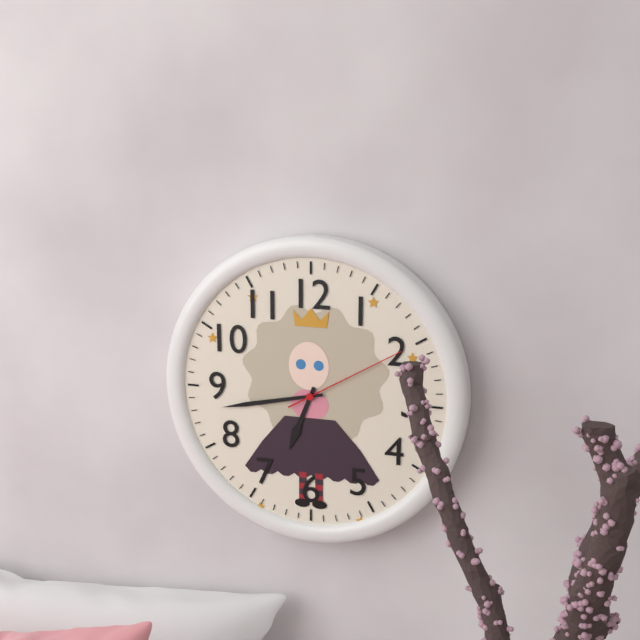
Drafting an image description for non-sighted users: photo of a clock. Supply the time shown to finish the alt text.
6:43:10
